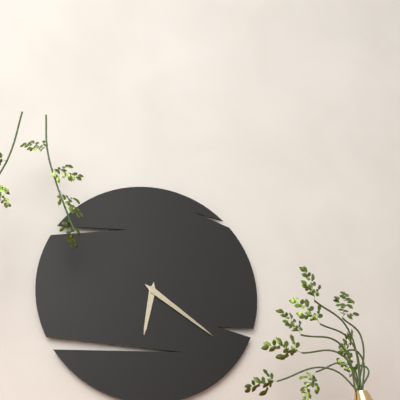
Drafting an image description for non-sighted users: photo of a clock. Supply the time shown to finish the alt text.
6:21
